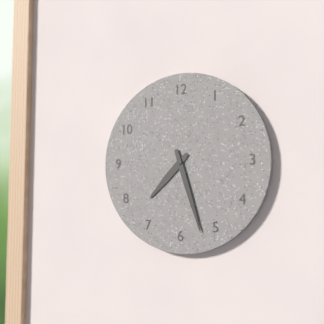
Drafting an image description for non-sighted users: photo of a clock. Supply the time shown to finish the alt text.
7:27
